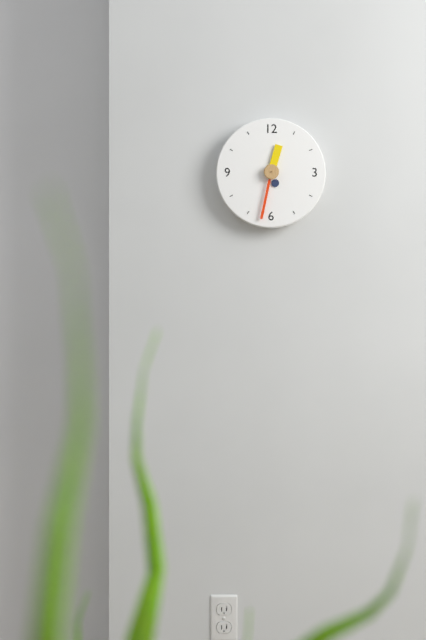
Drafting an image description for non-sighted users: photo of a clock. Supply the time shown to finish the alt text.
12:32
